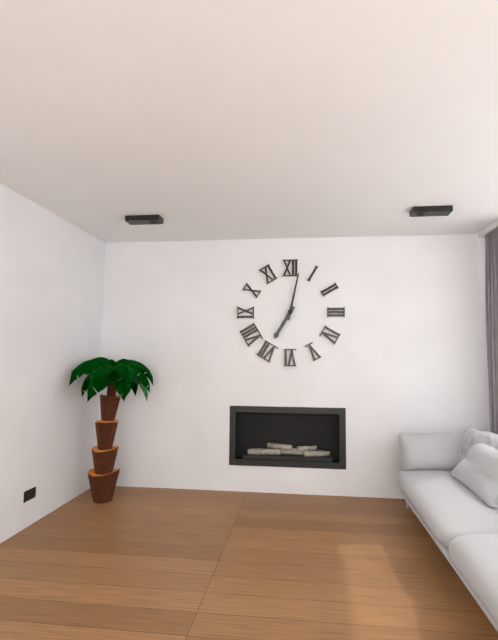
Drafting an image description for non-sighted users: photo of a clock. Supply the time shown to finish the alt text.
7:02
